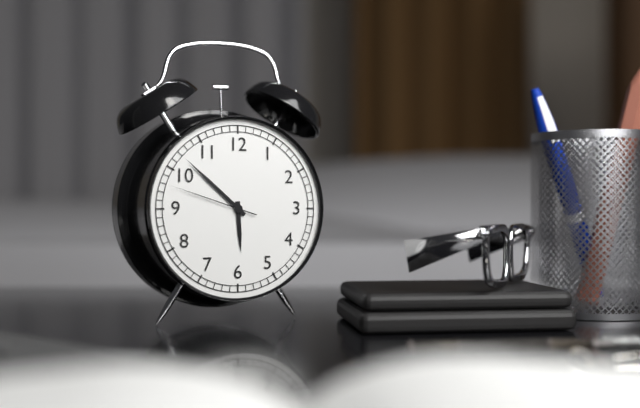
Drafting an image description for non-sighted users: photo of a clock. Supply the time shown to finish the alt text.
5:52:48
